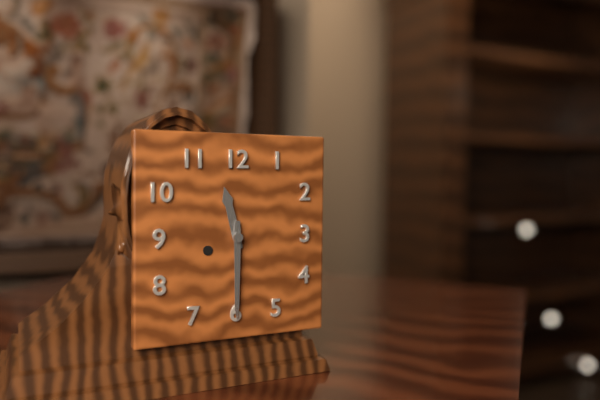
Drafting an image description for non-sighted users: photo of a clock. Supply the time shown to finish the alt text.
11:30
